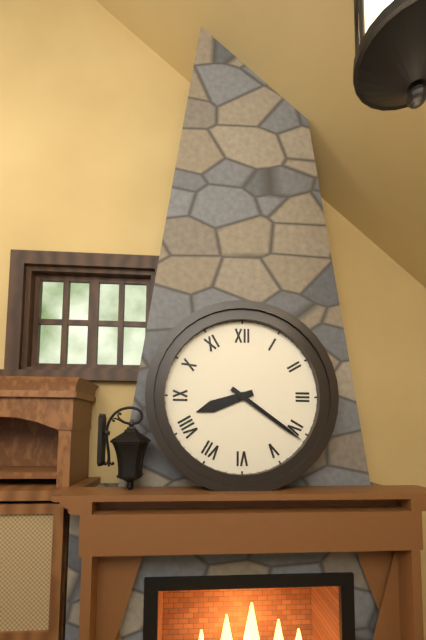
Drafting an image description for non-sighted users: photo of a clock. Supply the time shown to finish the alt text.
8:21
